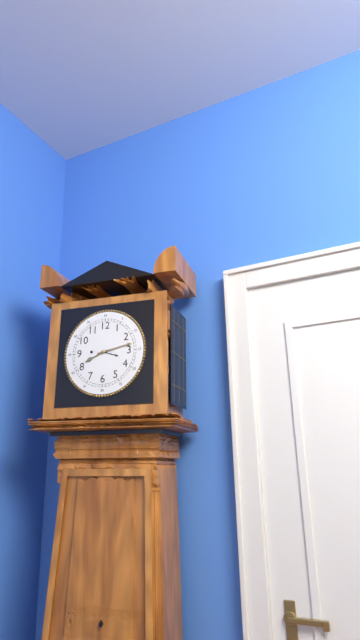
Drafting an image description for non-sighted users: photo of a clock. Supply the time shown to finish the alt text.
8:13
